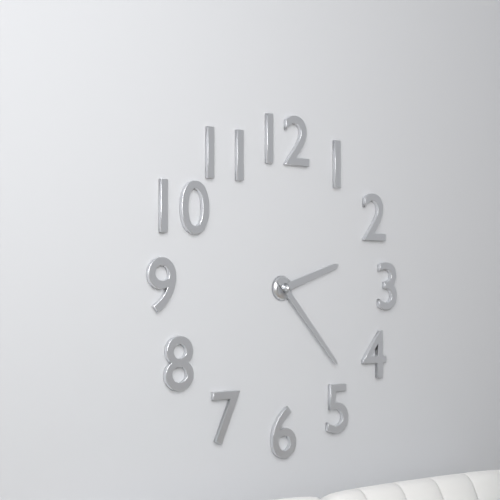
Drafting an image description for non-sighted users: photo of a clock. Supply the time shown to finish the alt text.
2:23
